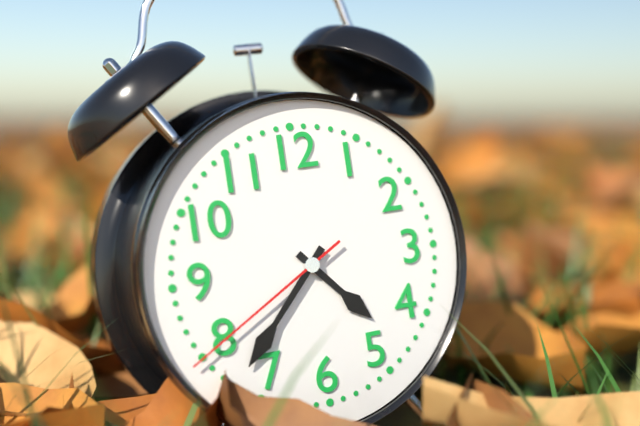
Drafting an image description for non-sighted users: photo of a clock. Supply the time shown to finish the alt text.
4:37:40
